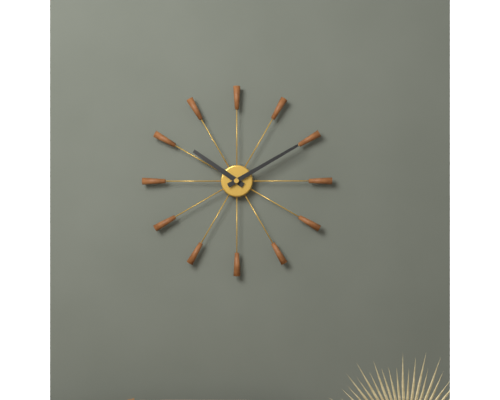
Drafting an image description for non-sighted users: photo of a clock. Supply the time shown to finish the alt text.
10:10
